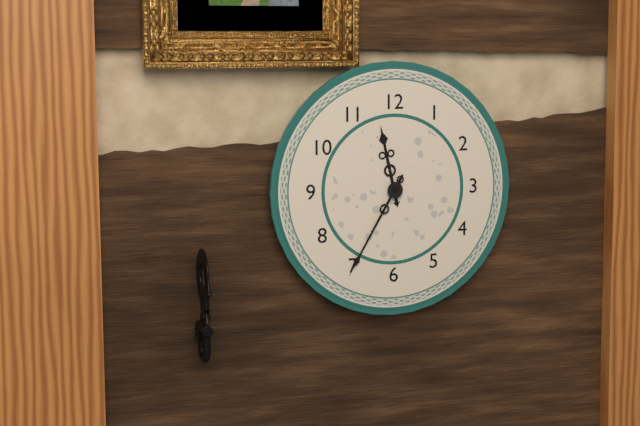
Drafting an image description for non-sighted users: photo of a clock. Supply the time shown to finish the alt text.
11:35
